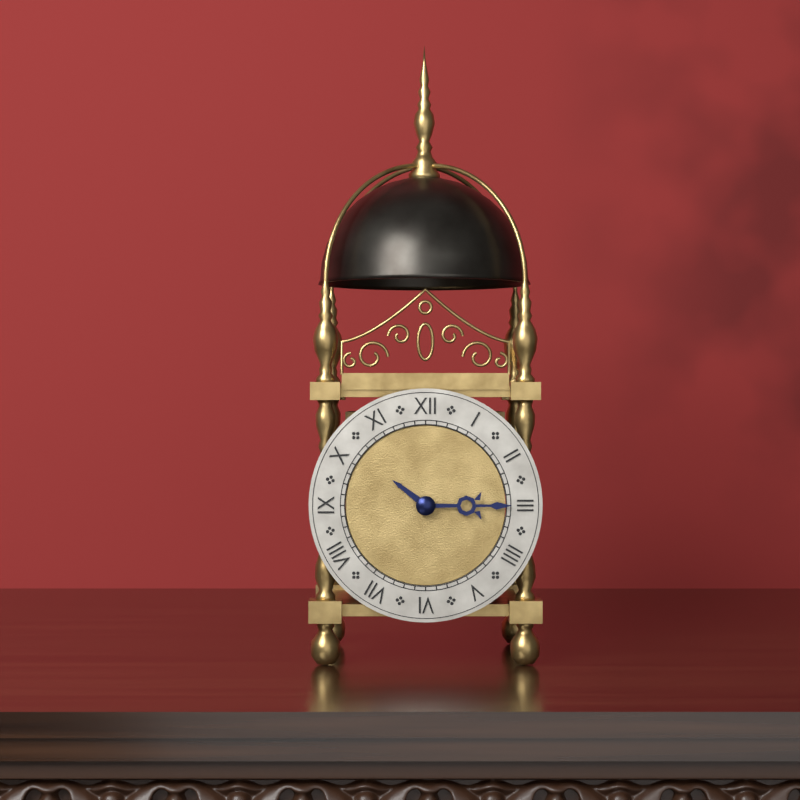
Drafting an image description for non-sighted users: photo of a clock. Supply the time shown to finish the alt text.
10:15
